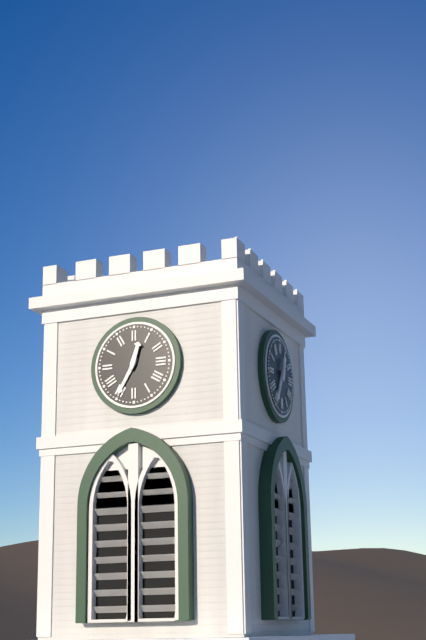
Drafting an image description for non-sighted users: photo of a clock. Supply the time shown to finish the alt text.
12:35
